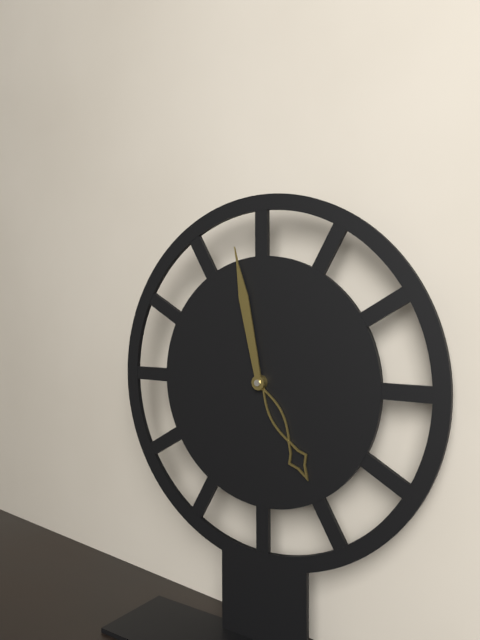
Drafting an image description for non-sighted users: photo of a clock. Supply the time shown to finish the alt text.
4:58
